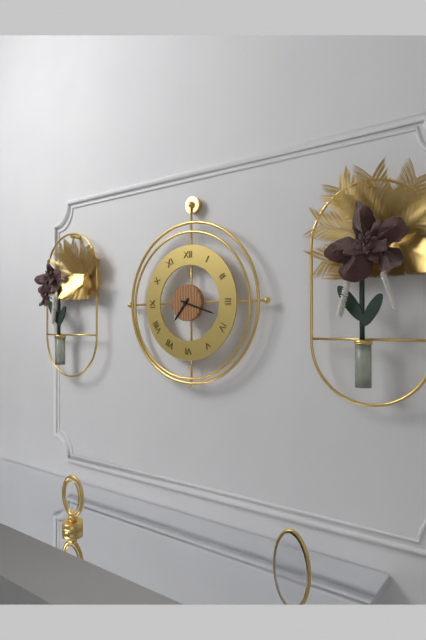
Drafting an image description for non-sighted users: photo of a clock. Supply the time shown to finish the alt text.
7:18
